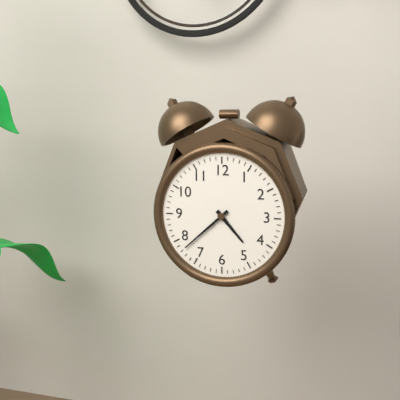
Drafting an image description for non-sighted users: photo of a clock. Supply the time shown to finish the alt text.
4:38
